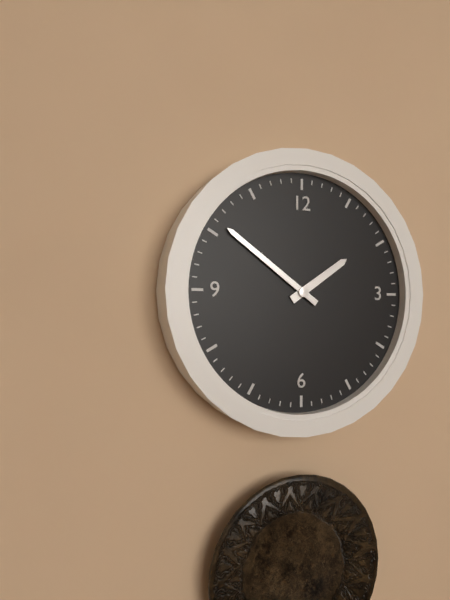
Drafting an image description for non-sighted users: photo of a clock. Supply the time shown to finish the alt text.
1:51
